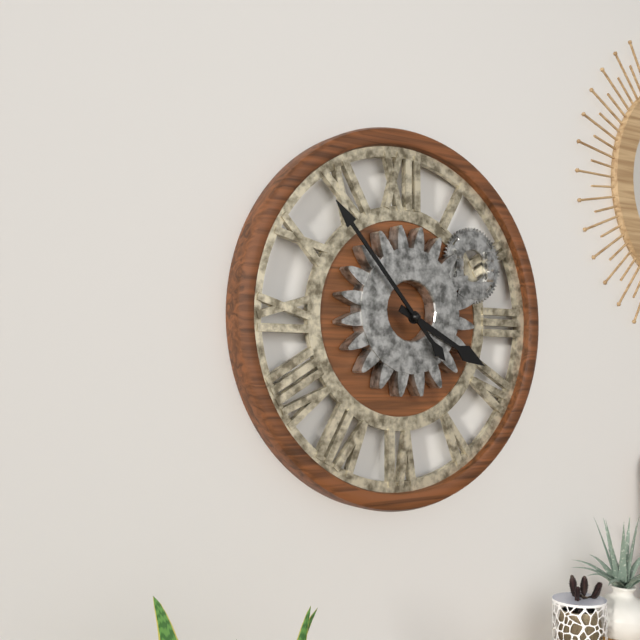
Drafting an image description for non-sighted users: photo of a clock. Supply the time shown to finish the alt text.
3:53
